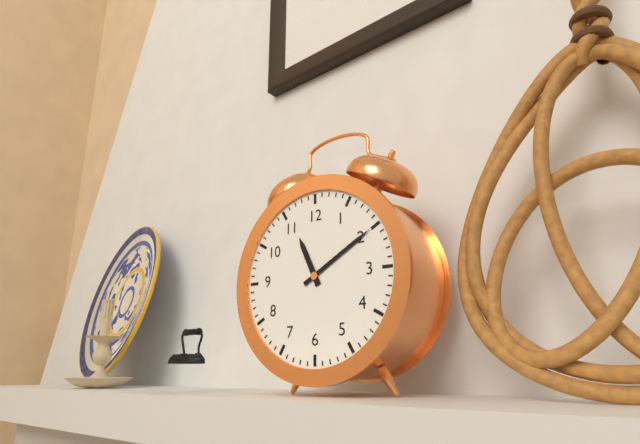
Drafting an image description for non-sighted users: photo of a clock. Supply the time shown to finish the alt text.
11:10
